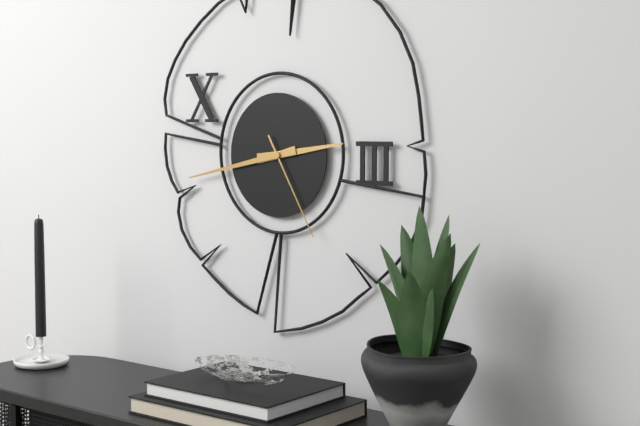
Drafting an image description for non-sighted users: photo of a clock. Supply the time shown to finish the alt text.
2:43:25
